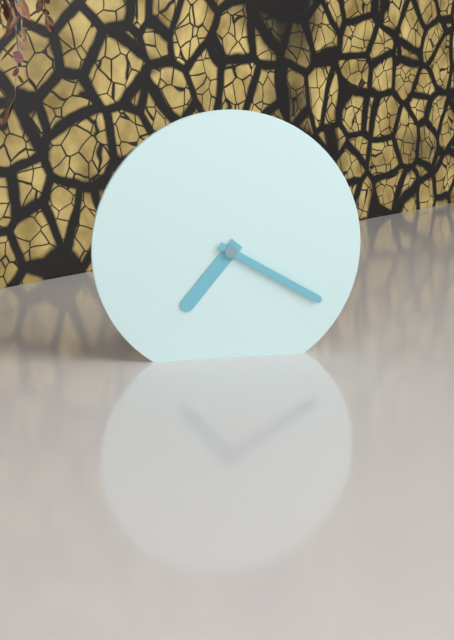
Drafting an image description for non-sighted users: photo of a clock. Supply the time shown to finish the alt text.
7:20
